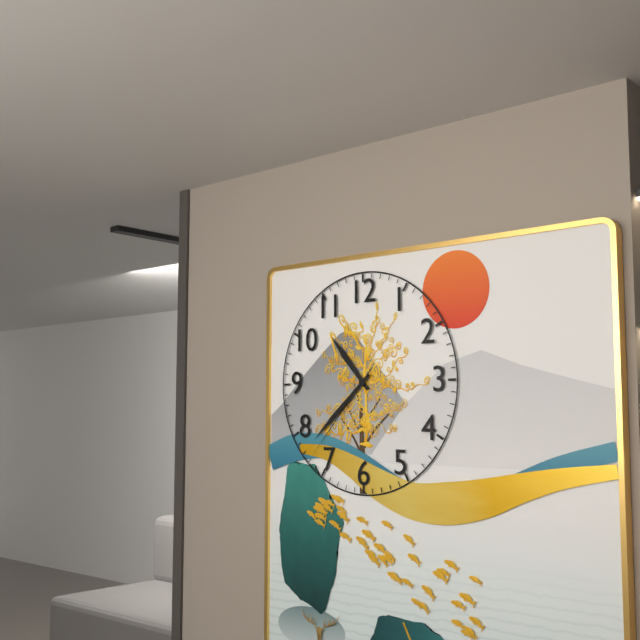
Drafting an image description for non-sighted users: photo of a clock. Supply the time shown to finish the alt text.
10:38:37
